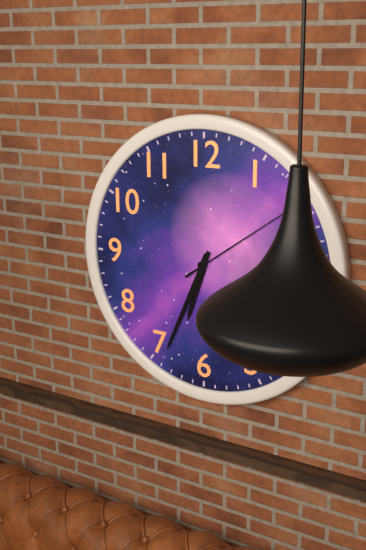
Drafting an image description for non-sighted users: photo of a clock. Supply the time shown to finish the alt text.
6:34:09
